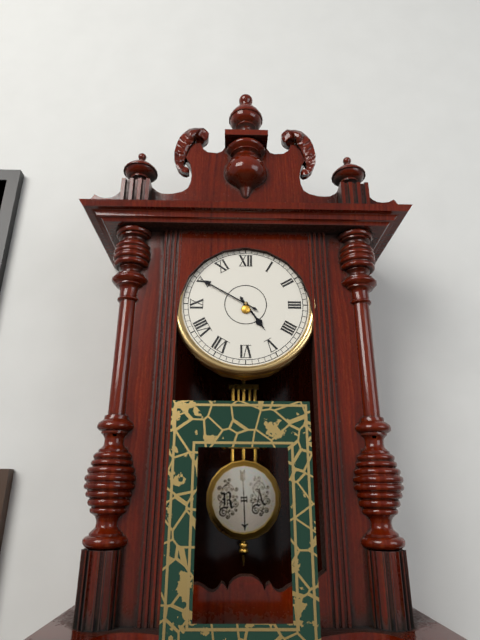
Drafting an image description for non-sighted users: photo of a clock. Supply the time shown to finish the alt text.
4:50
